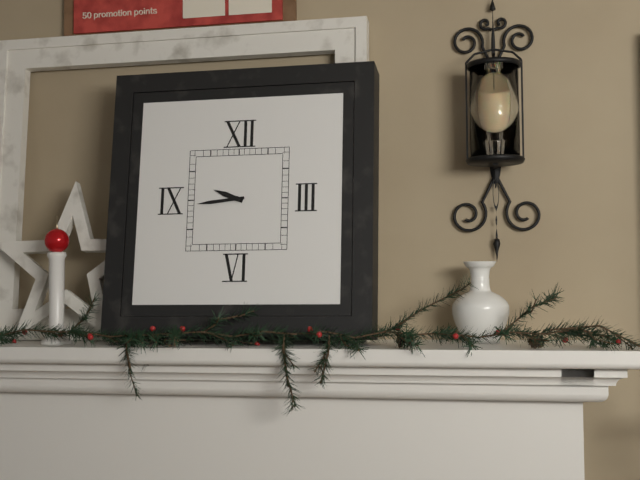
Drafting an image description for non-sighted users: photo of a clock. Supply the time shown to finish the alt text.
9:44
